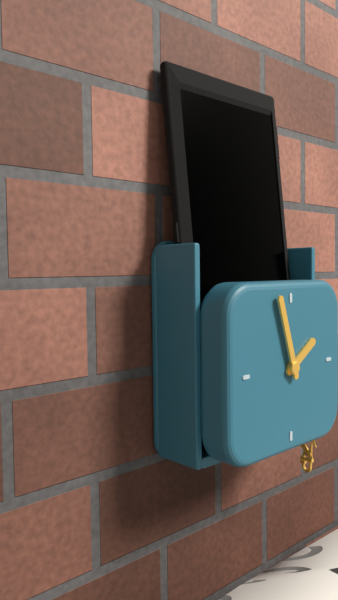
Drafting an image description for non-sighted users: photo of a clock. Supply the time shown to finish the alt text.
1:57
